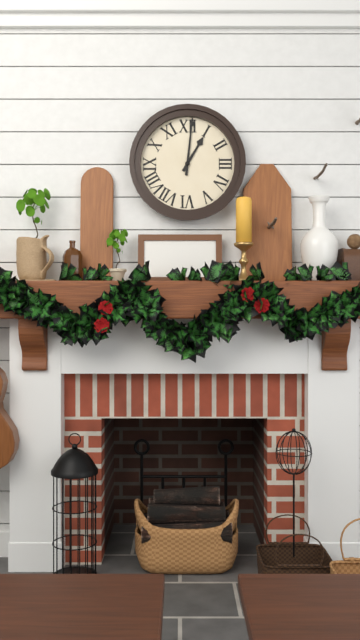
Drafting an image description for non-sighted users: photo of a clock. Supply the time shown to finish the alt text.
1:01
